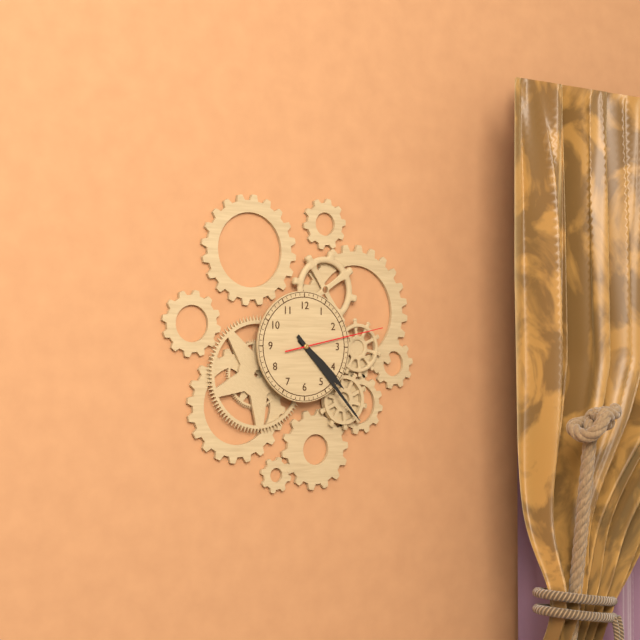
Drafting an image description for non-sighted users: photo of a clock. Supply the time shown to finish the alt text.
4:23:13
